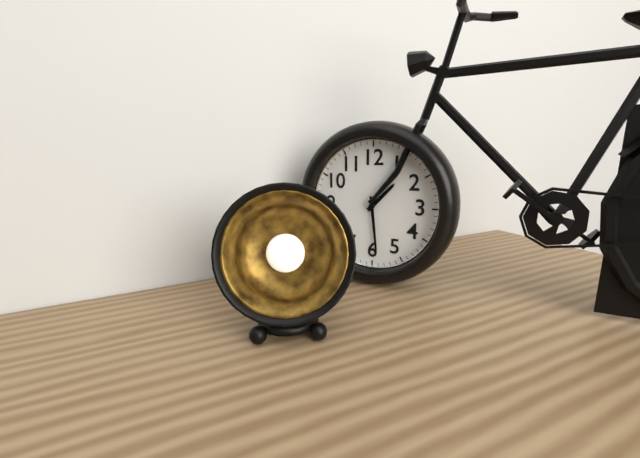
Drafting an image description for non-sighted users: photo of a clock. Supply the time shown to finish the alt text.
1:29
